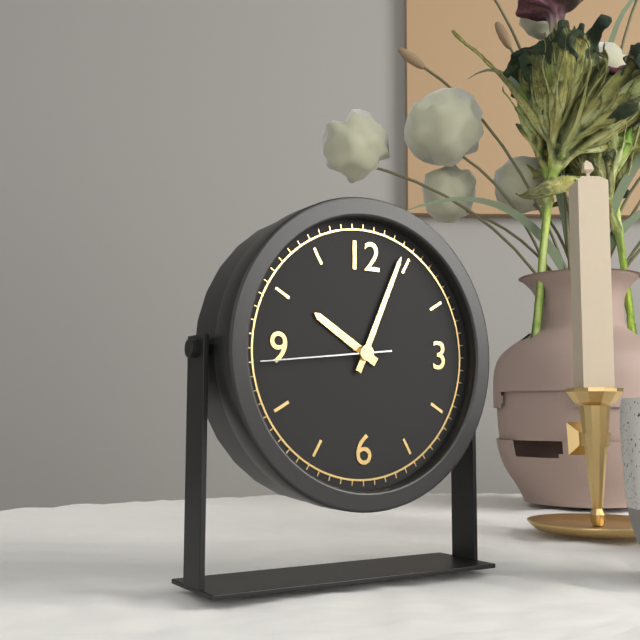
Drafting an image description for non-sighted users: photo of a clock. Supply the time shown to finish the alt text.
10:04:44
